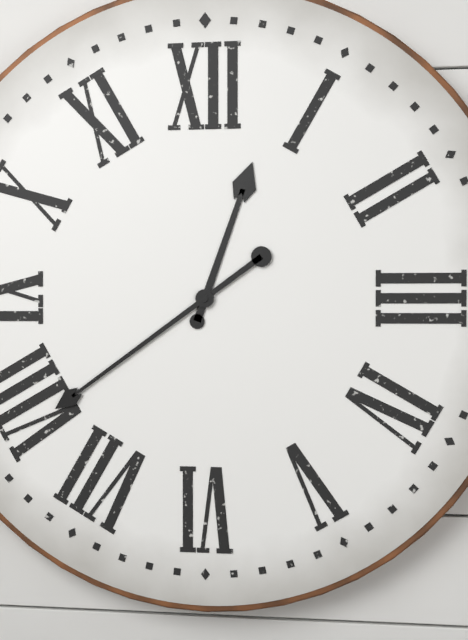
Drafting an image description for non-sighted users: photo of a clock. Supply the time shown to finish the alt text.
12:39
